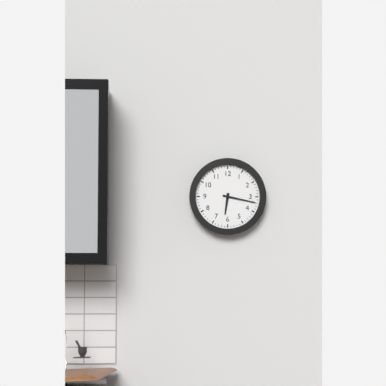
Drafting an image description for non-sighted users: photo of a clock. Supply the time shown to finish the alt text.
6:17
